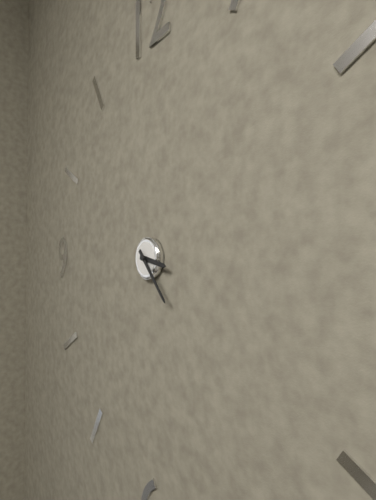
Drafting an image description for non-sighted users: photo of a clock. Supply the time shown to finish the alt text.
3:23
